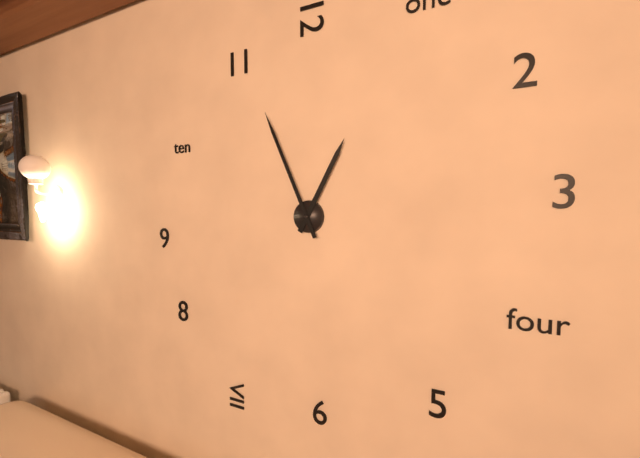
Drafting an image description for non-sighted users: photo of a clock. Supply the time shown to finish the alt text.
12:56
